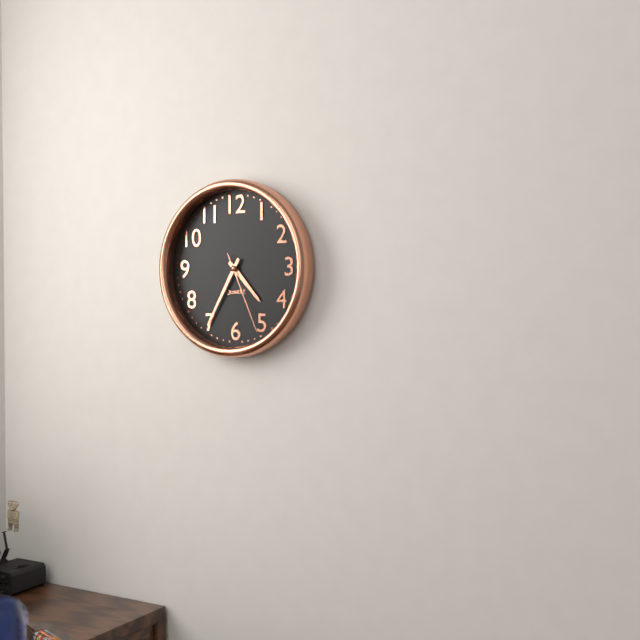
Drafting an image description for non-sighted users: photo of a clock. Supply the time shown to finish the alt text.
4:35:26
